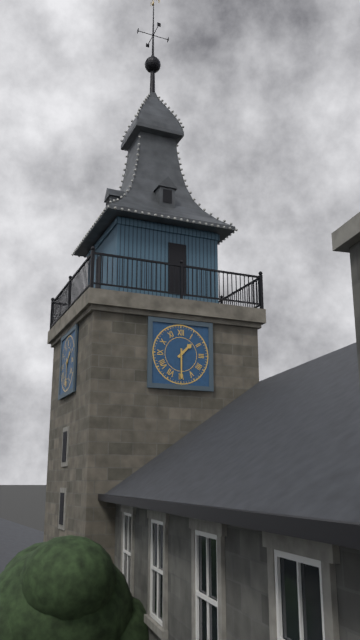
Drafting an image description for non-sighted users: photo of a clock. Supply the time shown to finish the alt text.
1:30
